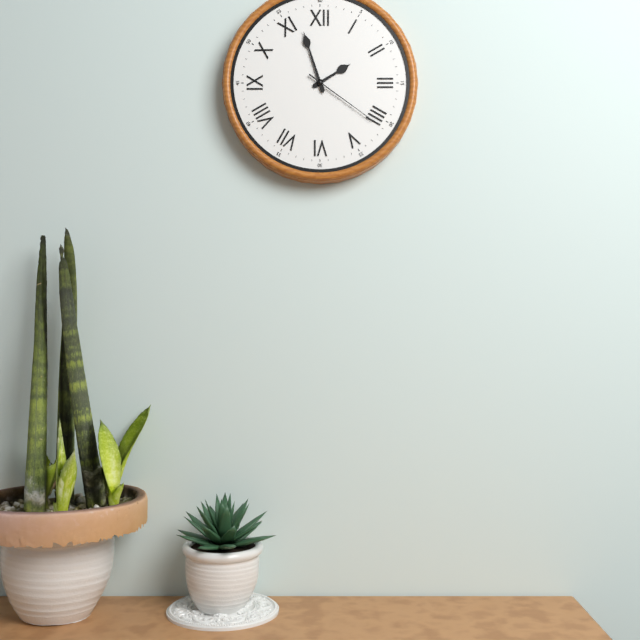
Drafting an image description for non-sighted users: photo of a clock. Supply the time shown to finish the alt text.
1:57:21
